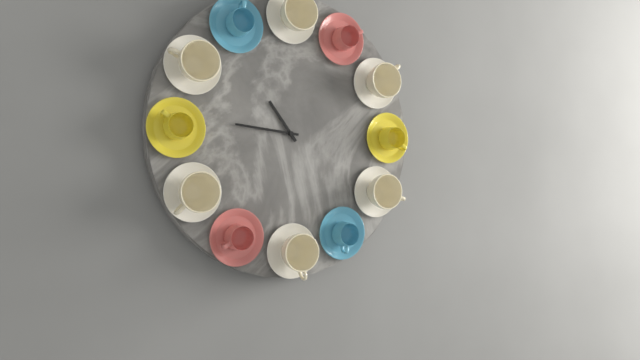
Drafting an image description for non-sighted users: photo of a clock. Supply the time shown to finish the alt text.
10:46
